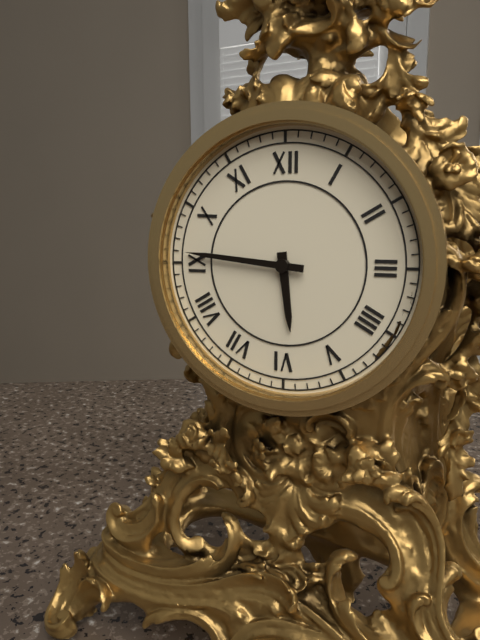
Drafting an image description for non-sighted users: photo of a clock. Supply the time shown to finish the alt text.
5:46
